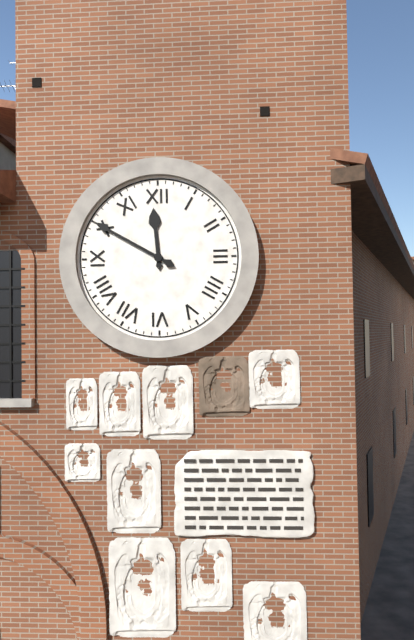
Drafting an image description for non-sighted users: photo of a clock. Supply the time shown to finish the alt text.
11:50
